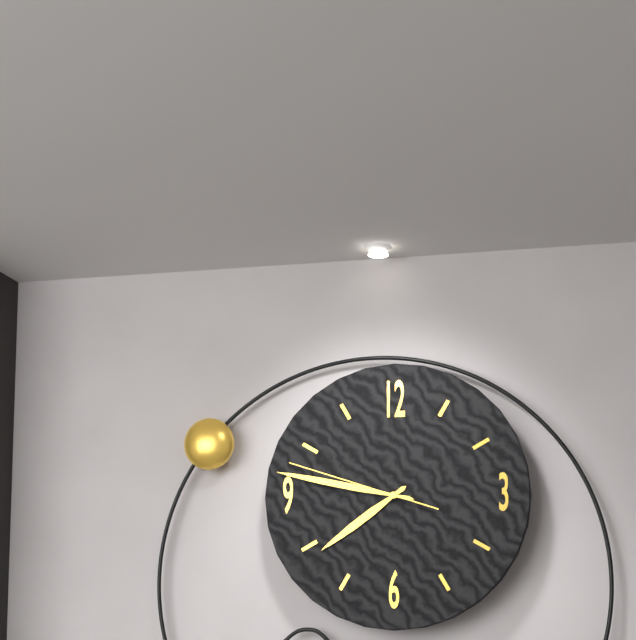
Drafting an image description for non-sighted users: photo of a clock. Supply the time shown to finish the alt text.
7:47:48
